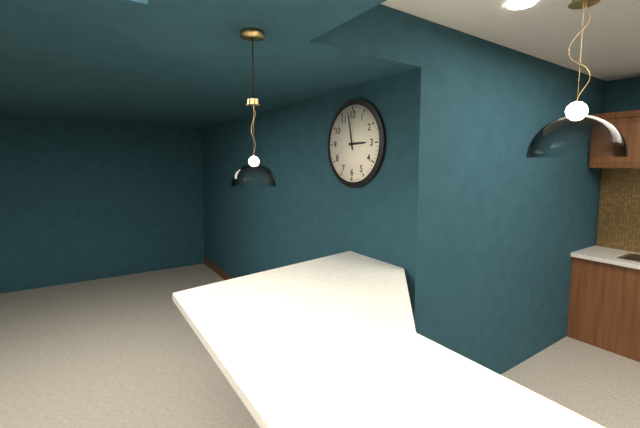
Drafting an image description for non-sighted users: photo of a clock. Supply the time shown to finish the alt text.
2:58
